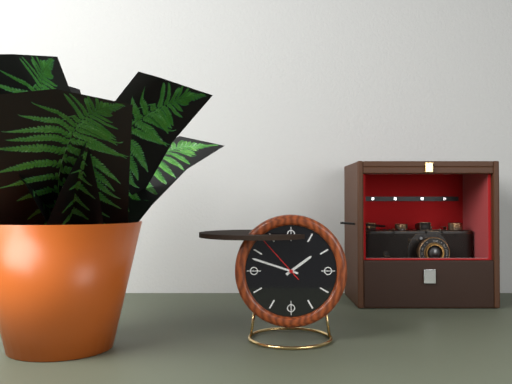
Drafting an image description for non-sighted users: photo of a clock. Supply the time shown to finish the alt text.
1:48:53
